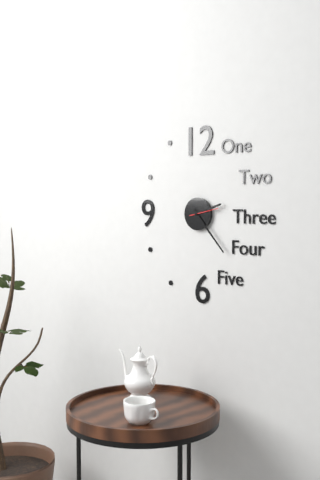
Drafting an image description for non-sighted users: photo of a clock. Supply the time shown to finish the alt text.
2:23
